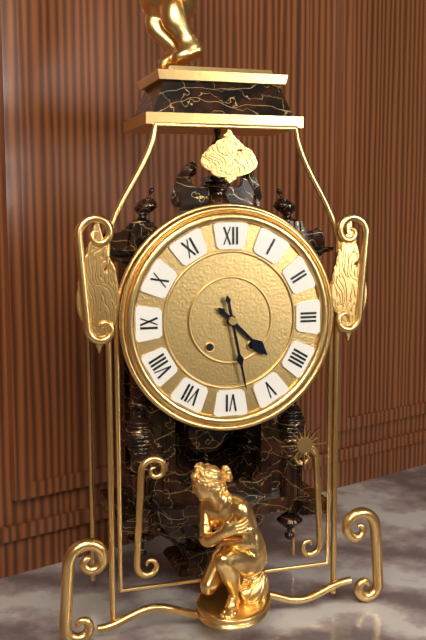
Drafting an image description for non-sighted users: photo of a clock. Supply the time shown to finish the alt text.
4:28
